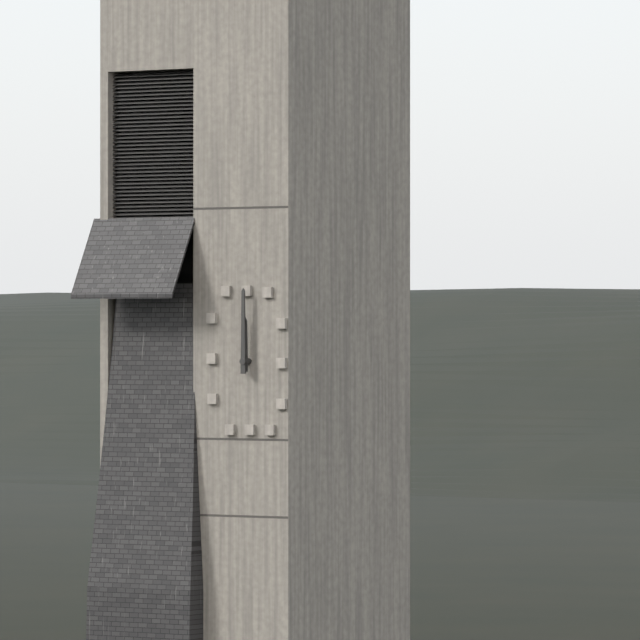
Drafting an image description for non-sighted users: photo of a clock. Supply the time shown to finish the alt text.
12:00
